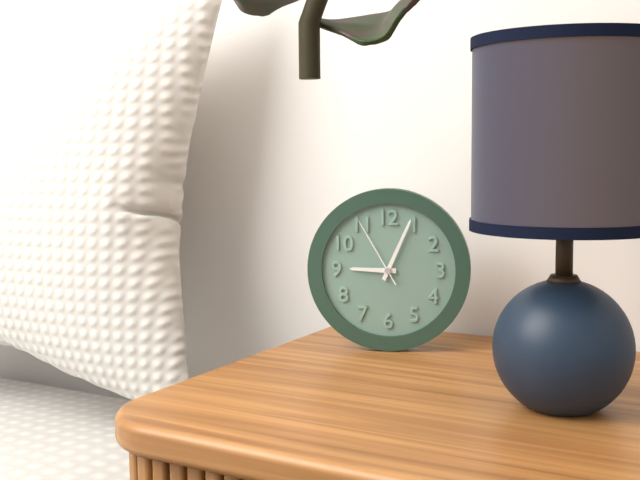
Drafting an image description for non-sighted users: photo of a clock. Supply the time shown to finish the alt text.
9:04:55
